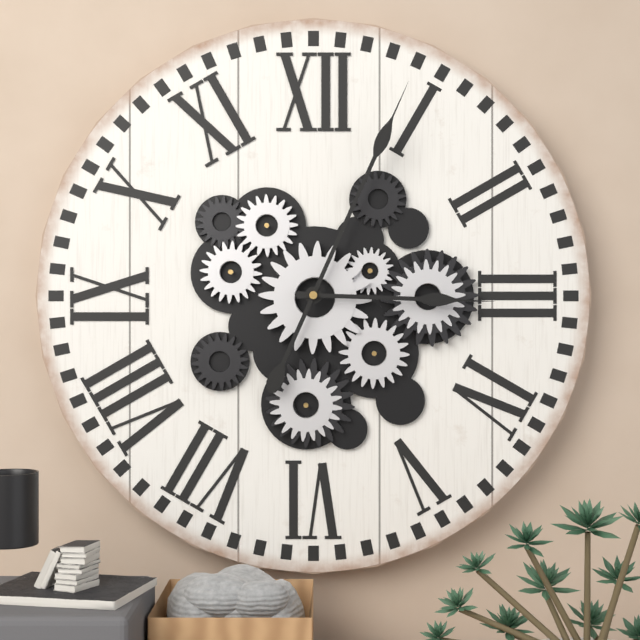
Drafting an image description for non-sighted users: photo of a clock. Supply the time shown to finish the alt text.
3:04
